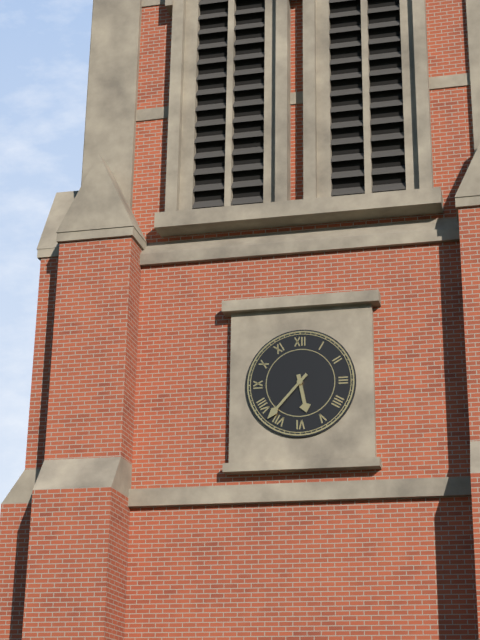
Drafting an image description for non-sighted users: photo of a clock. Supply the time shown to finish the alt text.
5:37
